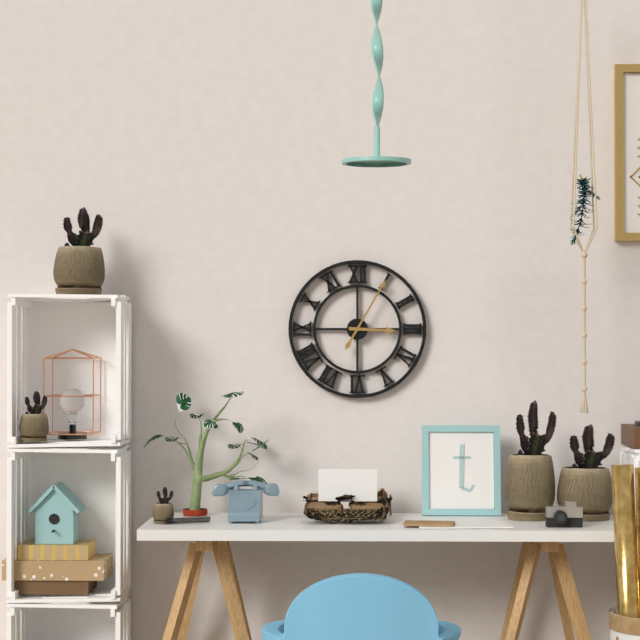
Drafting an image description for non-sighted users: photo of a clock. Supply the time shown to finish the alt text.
3:05
